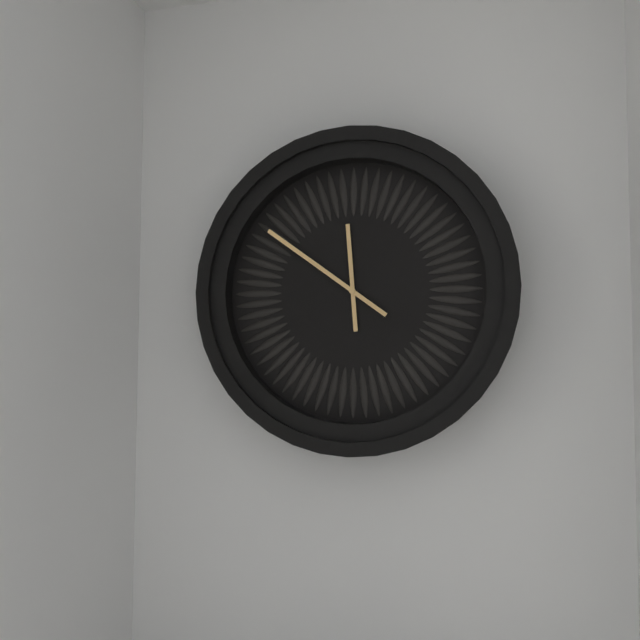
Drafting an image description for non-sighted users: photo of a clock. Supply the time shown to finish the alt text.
11:51
